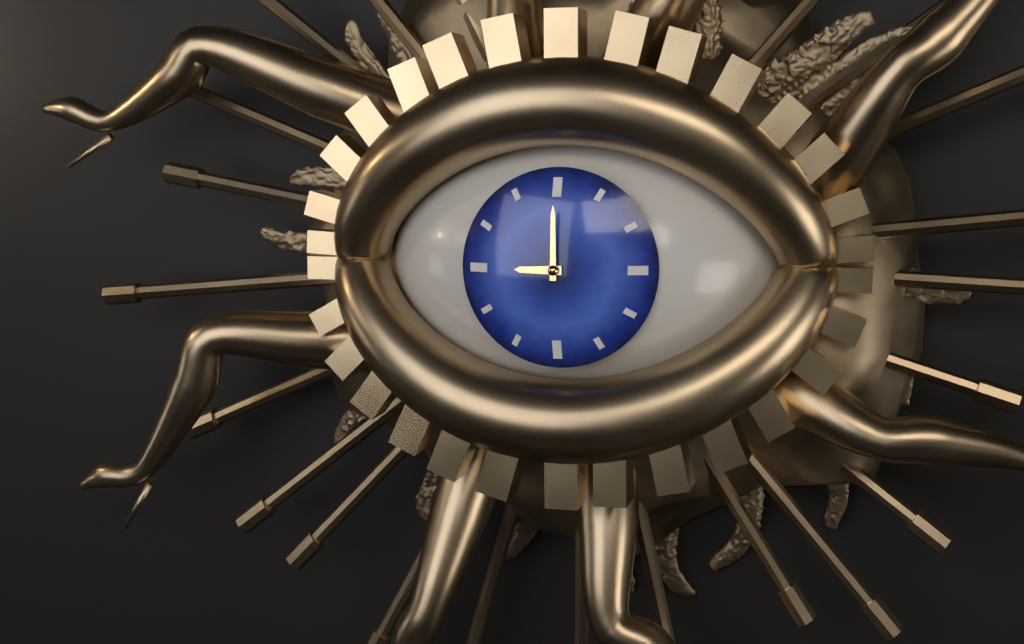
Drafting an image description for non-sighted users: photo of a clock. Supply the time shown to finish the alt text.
9:00
